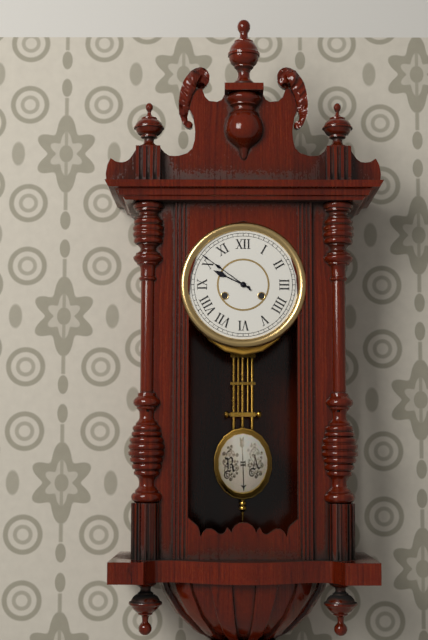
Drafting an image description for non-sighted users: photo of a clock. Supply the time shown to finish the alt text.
9:51
